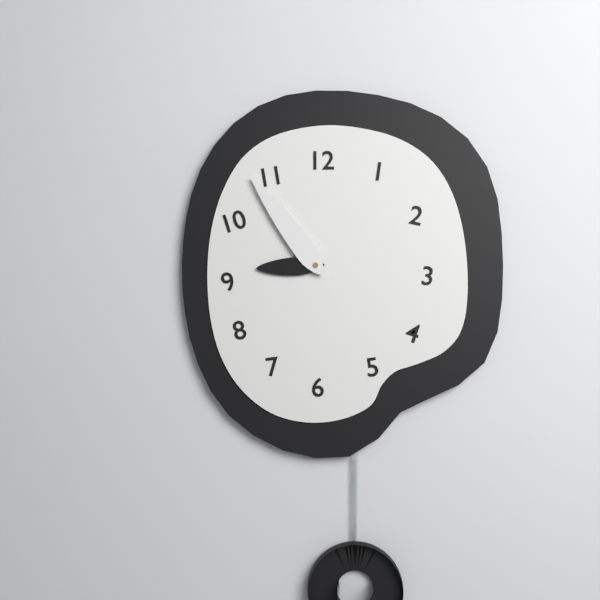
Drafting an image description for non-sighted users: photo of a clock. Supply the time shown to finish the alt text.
8:54
